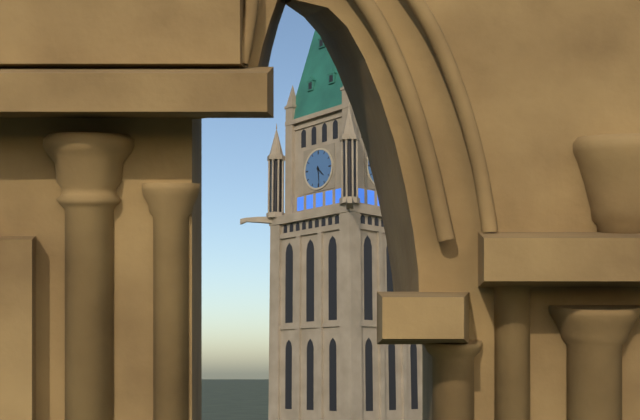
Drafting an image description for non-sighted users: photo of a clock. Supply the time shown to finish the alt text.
4:29
